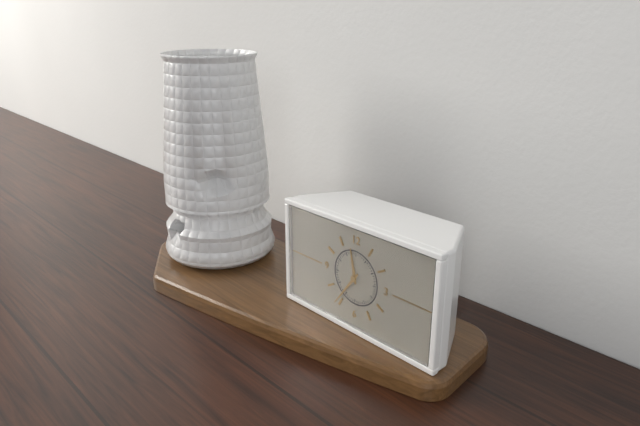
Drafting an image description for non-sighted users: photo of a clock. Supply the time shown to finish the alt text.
11:36
